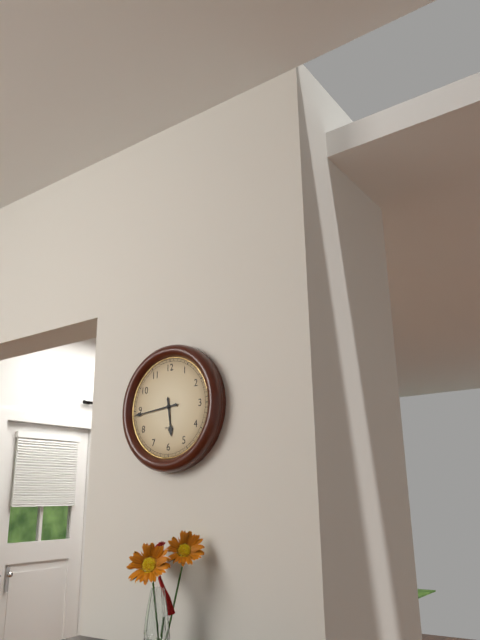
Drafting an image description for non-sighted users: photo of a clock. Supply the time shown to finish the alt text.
5:44
